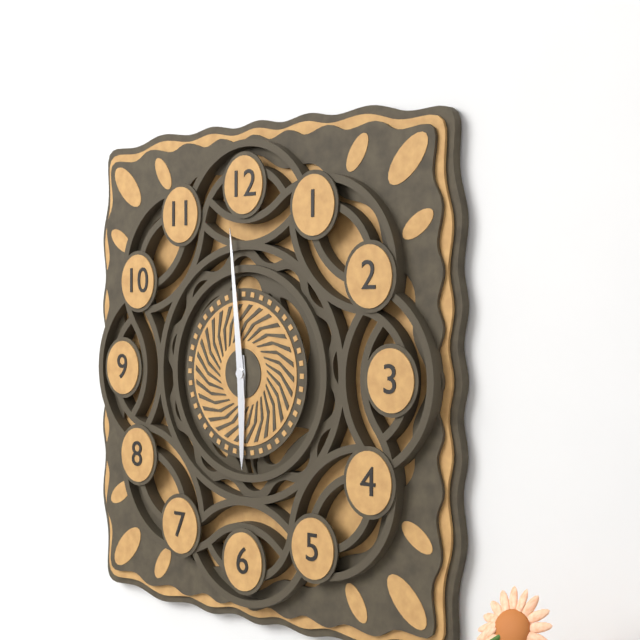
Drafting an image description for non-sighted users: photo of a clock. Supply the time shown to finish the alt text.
5:59
